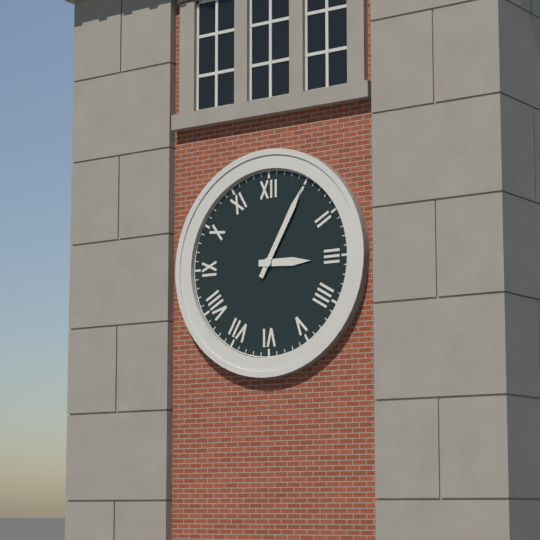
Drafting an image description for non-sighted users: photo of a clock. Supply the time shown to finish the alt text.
3:05
